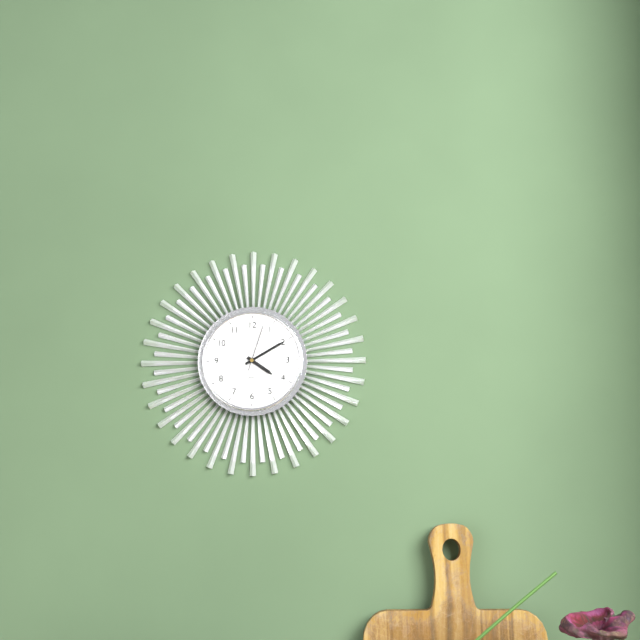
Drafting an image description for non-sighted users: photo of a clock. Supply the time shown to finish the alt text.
4:10:03
